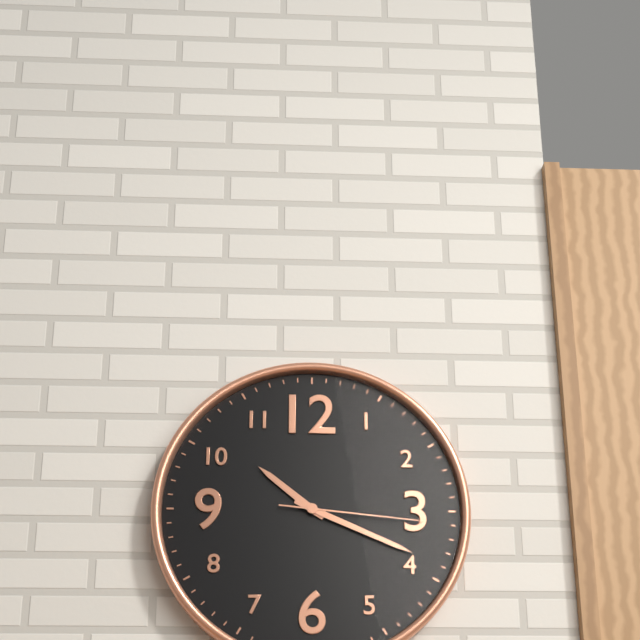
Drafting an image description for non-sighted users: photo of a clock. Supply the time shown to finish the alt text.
10:19:16
